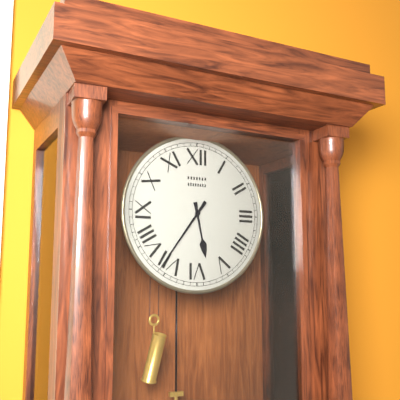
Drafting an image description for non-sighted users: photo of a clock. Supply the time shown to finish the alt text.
5:36
